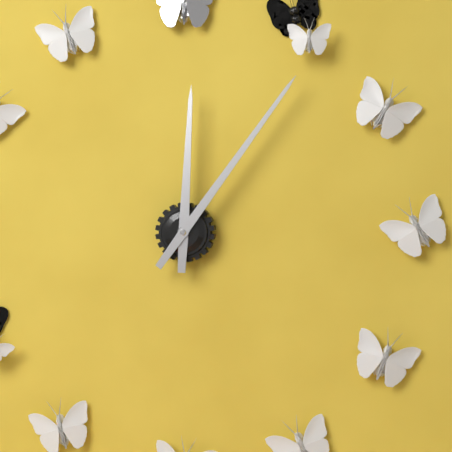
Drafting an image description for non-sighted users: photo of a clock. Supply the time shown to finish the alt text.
12:06
